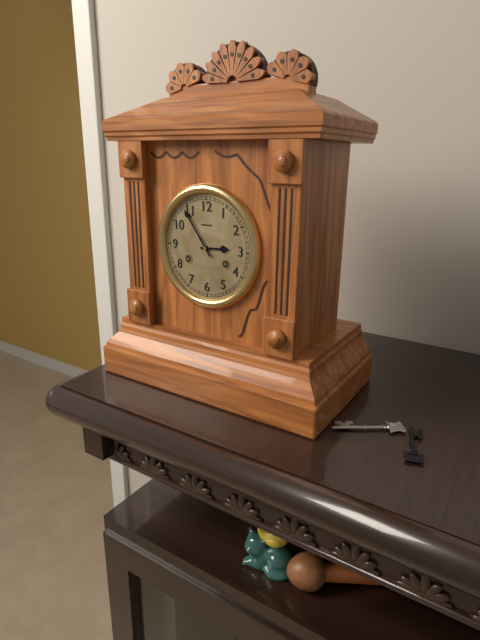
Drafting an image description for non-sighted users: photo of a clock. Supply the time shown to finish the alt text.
2:54
